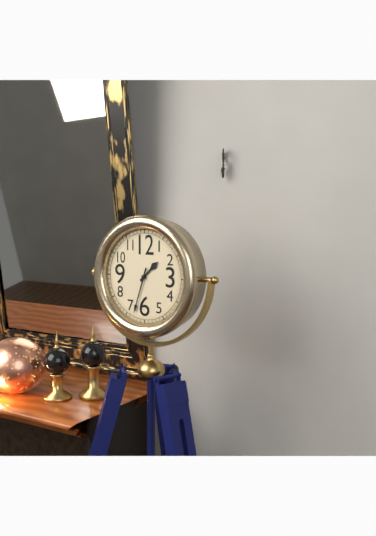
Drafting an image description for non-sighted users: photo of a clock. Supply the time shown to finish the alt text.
1:33
